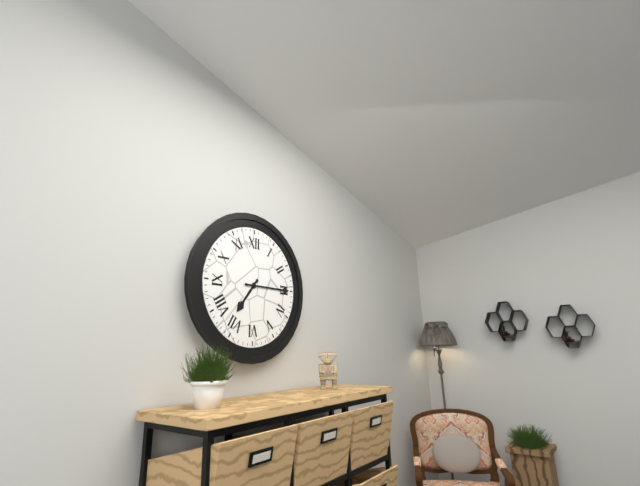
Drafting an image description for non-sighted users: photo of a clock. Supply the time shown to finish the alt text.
7:15
